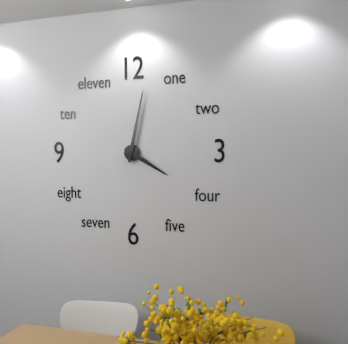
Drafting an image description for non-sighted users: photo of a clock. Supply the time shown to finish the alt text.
4:02
